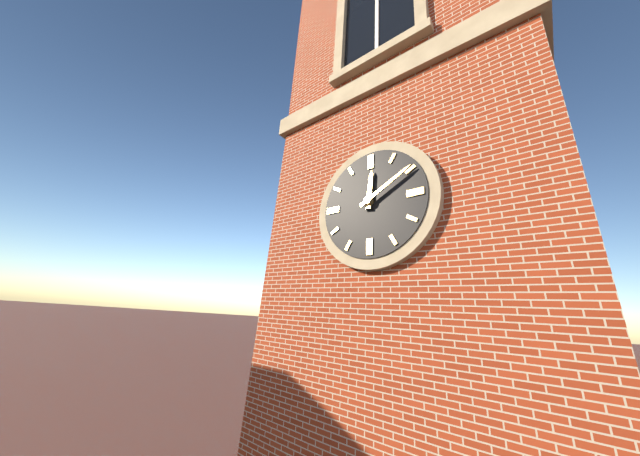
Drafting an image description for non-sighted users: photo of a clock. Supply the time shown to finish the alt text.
12:10
